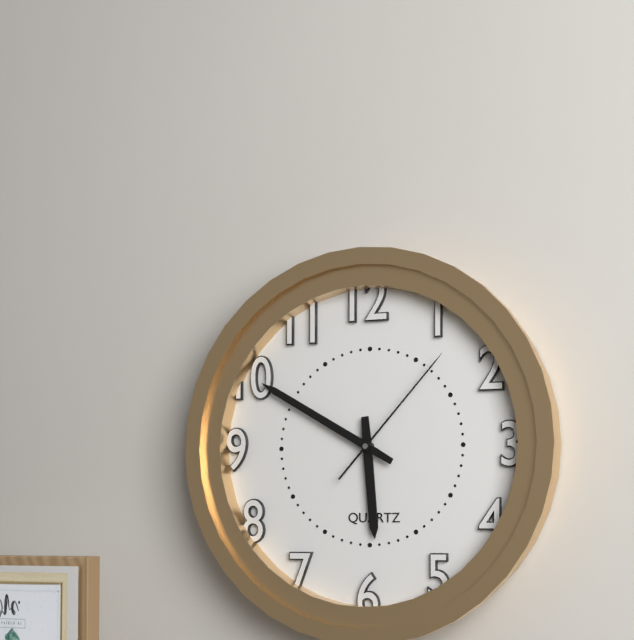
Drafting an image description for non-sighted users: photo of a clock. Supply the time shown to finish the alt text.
5:50:07
